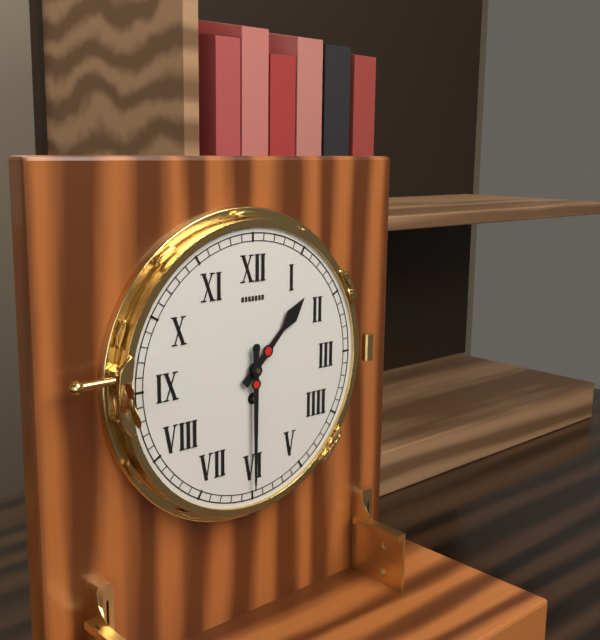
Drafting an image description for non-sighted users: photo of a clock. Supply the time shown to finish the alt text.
1:30
